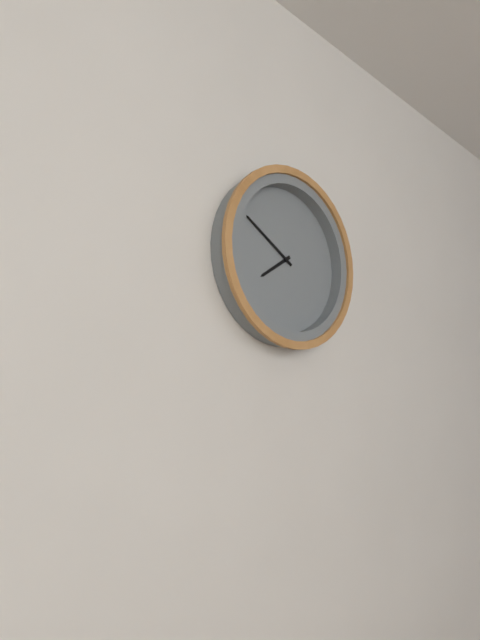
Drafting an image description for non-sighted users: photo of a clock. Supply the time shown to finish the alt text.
7:50
